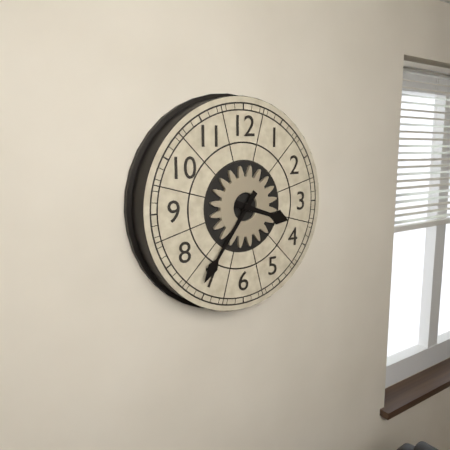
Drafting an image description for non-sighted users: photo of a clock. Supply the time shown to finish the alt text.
3:36
